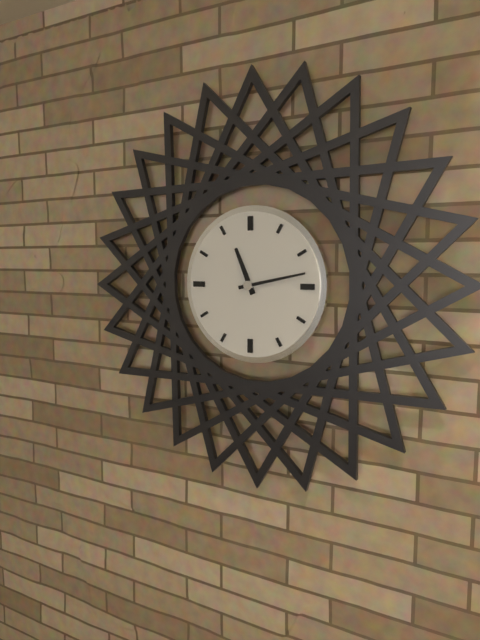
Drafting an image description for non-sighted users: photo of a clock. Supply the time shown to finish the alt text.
11:13
